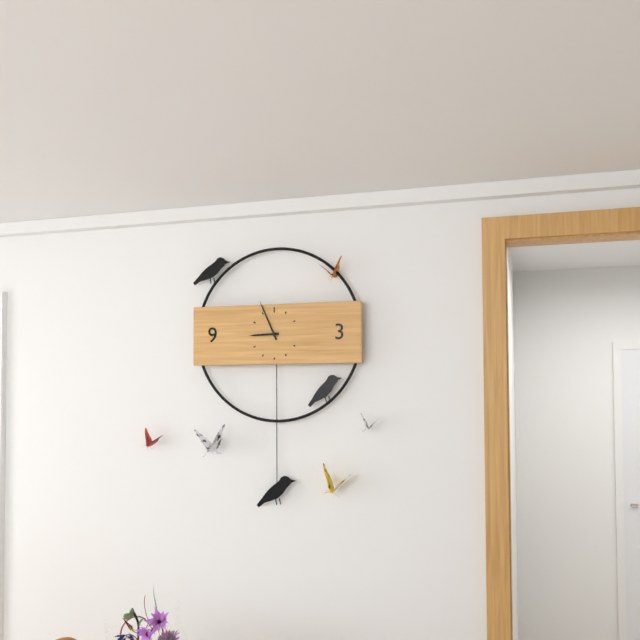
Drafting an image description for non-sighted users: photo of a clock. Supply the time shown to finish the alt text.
8:56
